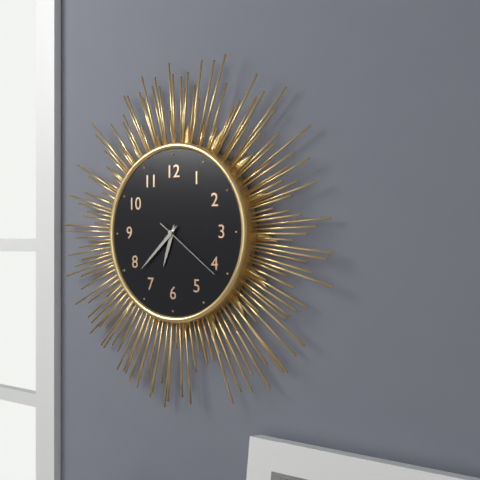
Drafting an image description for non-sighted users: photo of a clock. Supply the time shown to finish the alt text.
6:38:21
